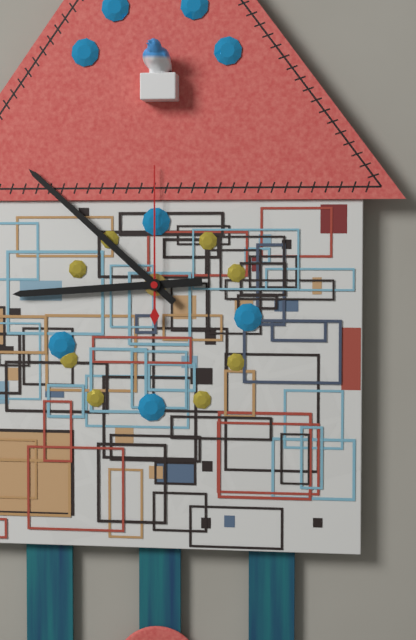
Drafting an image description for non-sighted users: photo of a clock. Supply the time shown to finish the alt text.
8:52:00
